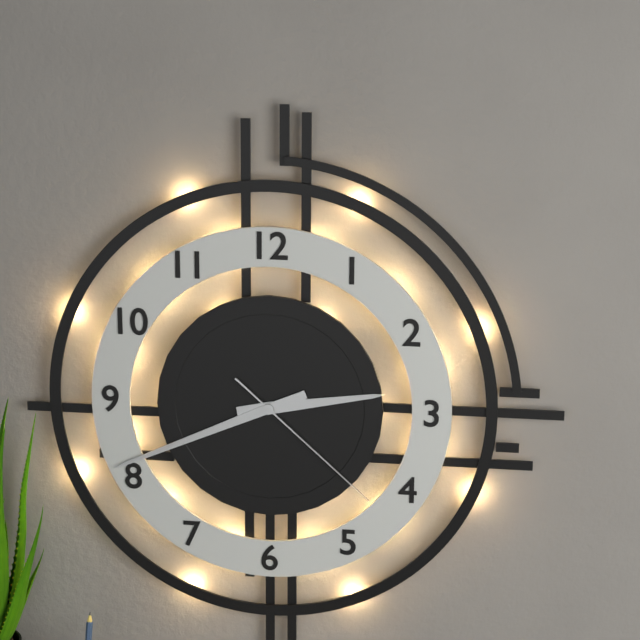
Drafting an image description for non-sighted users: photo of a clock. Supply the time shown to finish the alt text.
2:41:22
